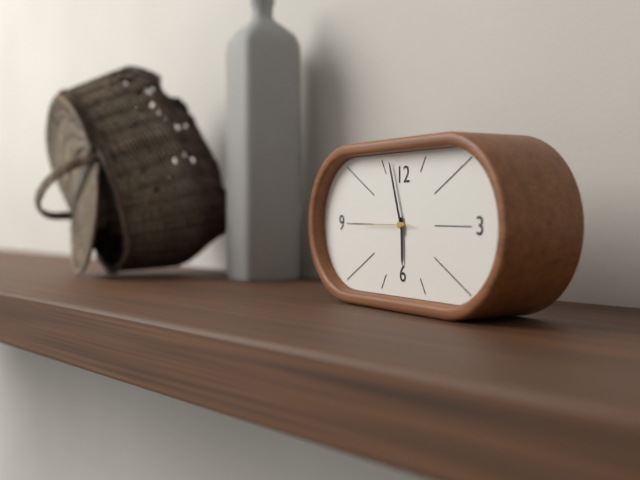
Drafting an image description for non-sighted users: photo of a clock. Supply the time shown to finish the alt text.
5:57
